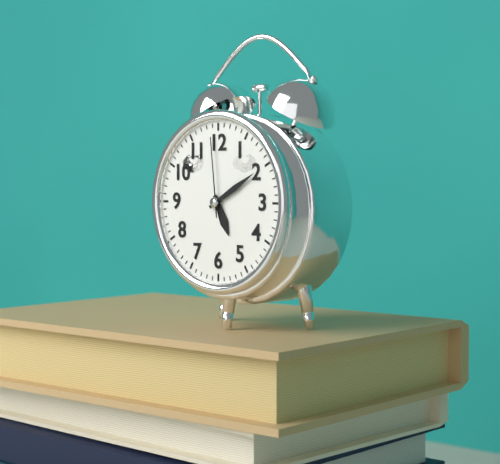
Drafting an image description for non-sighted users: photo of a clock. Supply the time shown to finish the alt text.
5:10:59
